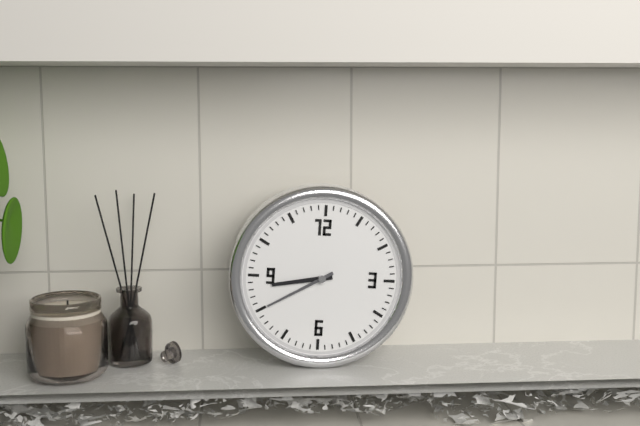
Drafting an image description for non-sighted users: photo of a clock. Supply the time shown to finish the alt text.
8:40
